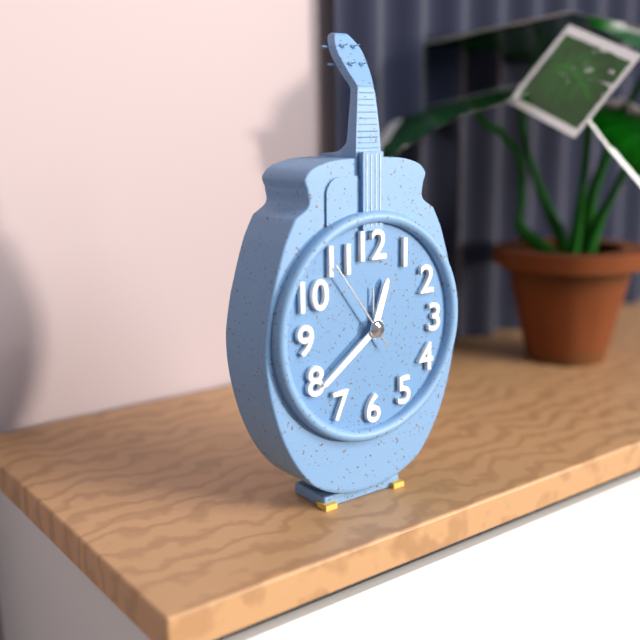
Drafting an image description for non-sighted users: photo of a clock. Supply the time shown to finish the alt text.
12:39:54
